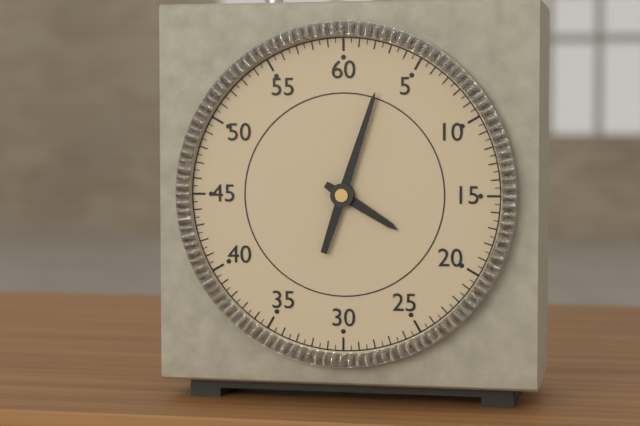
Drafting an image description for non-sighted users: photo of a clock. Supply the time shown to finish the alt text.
4:03
